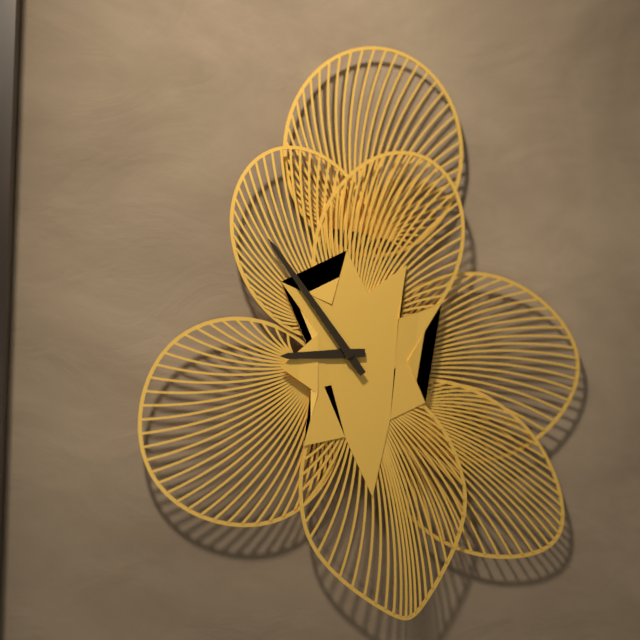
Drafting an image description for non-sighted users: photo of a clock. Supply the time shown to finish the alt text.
8:54
